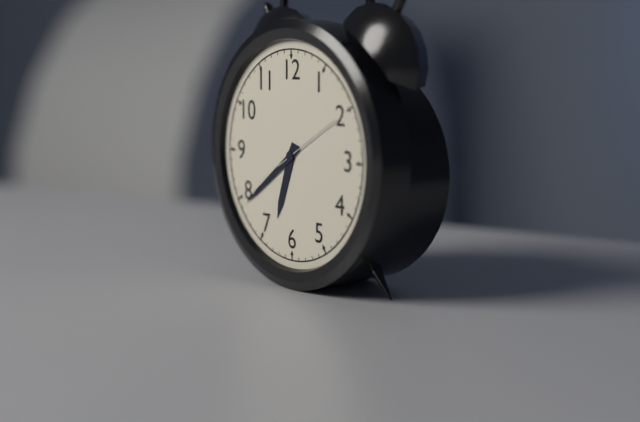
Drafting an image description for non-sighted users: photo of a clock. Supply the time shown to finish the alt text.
6:39
